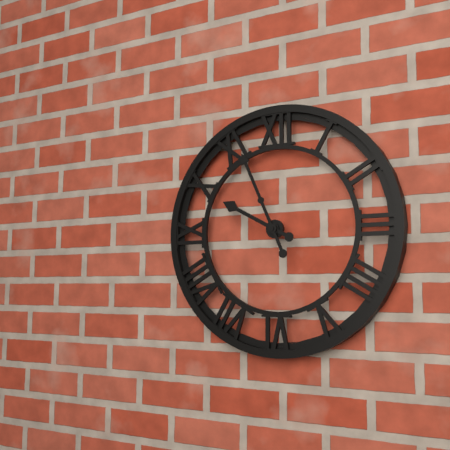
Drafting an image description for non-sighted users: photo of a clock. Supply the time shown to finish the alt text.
9:56
